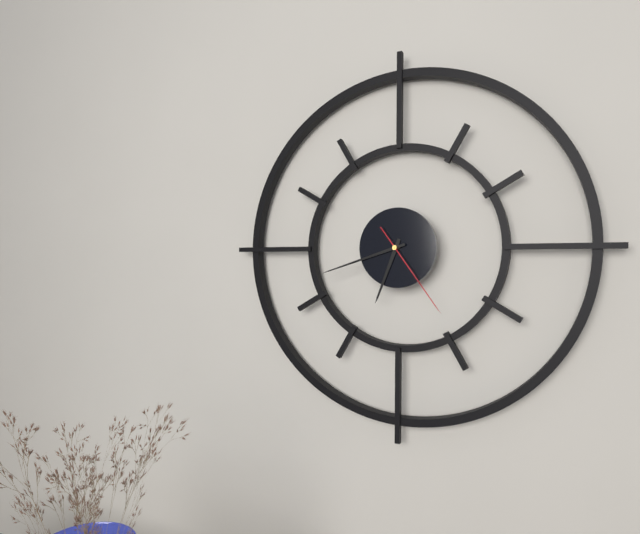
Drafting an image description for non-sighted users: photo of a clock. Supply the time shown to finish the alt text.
6:42:24
